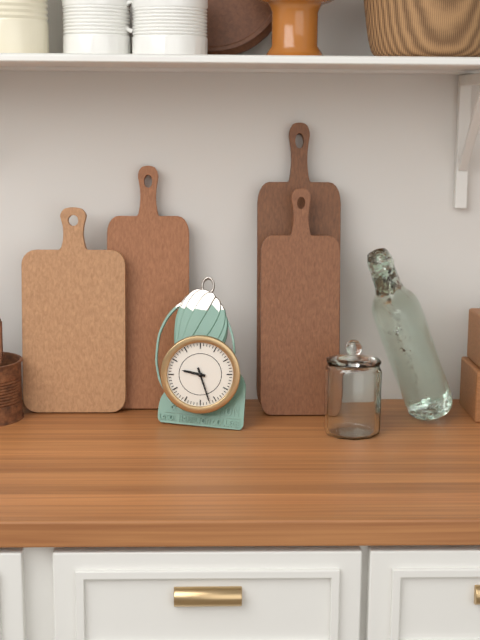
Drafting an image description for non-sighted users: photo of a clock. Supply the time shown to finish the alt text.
9:27
